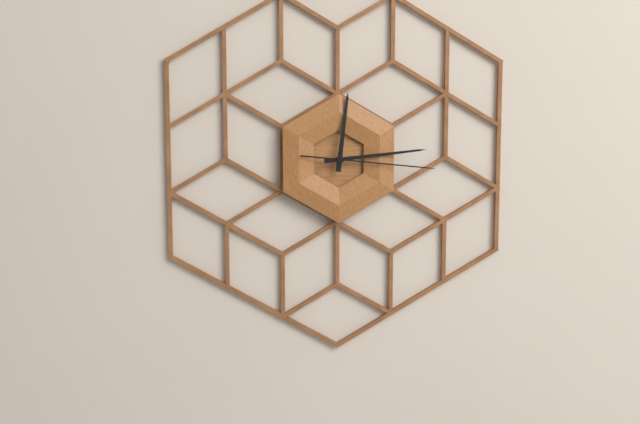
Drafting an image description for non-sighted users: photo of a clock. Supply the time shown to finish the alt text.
12:14:16
